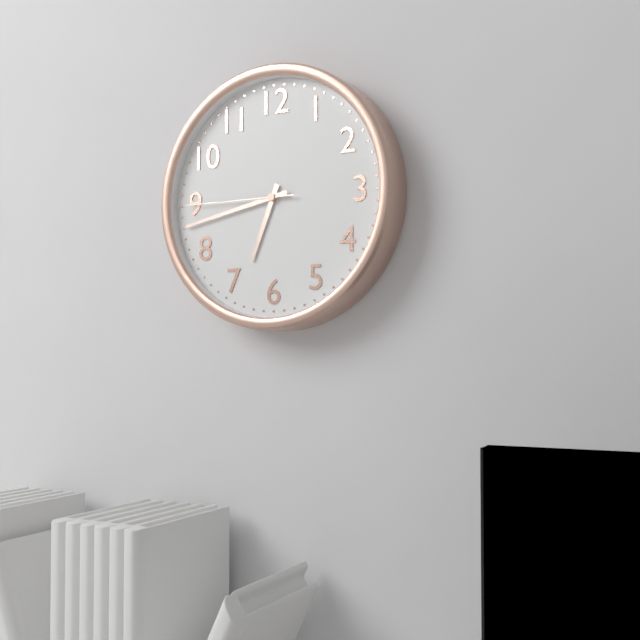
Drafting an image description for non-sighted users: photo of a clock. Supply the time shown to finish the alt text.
6:43:45
